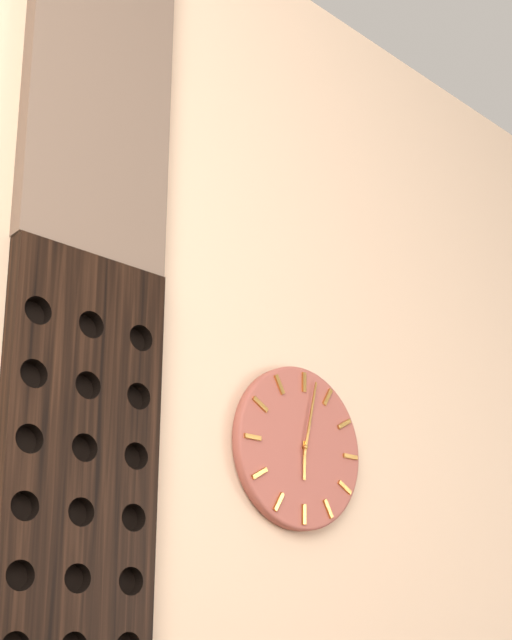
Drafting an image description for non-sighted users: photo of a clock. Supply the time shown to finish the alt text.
6:02
